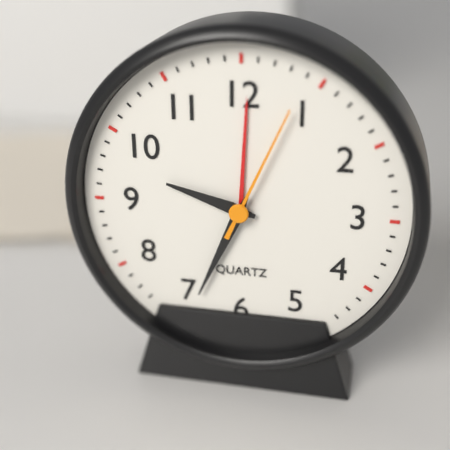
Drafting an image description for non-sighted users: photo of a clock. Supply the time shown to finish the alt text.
9:34:04
